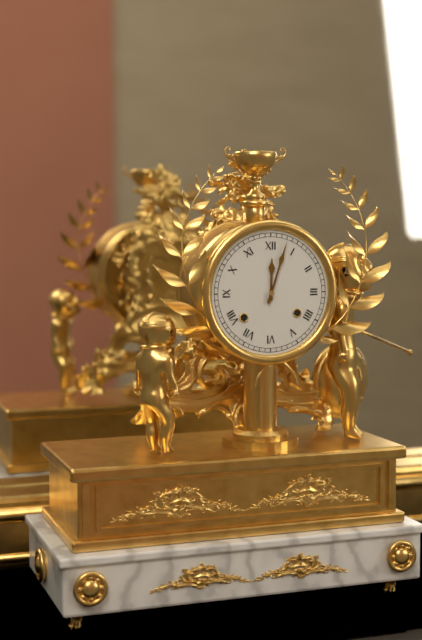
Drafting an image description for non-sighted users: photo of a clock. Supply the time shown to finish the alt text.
12:03
